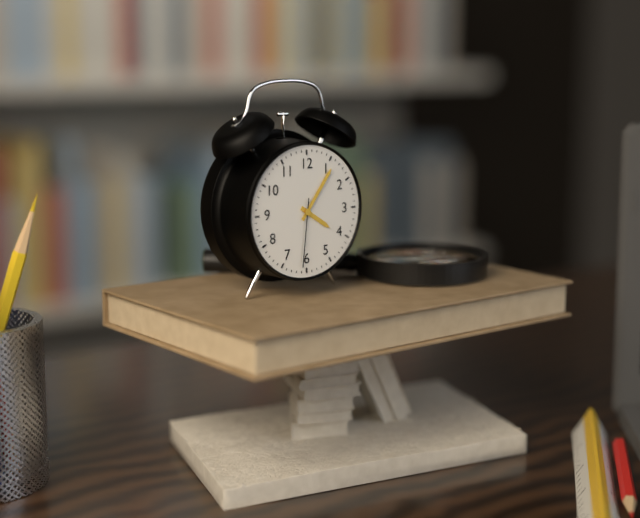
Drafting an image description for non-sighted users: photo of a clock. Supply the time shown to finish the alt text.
4:06:31
